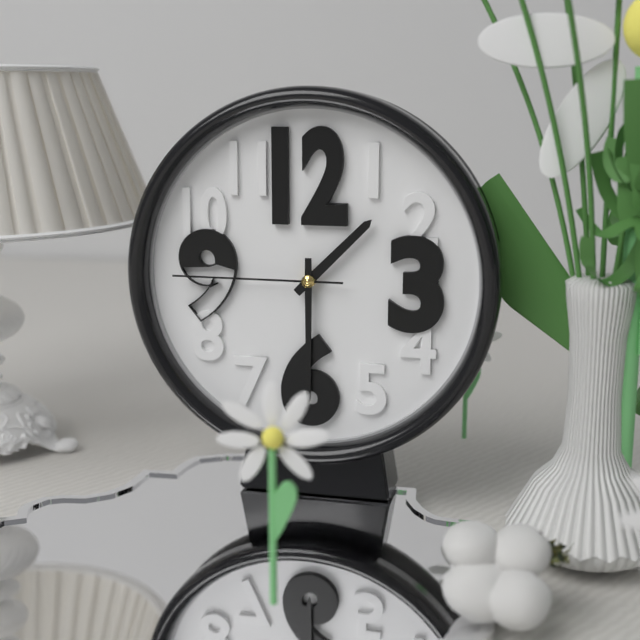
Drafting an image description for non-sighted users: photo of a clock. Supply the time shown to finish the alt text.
1:30:45
